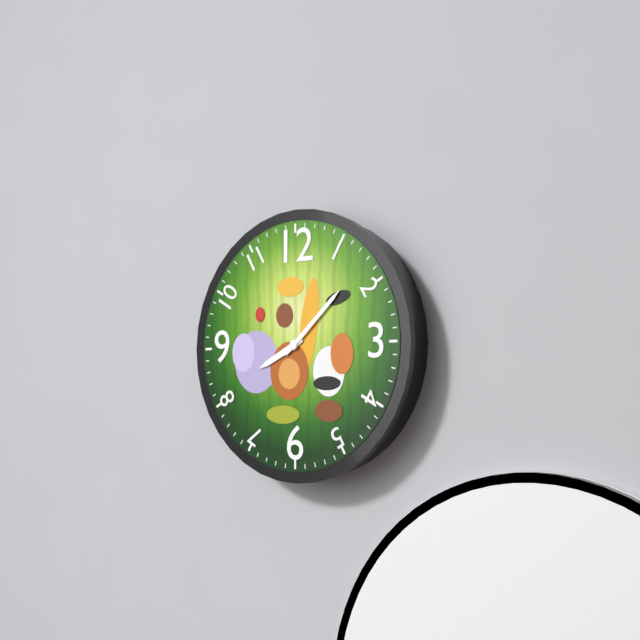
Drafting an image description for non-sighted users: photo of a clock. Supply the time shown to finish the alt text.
8:08
